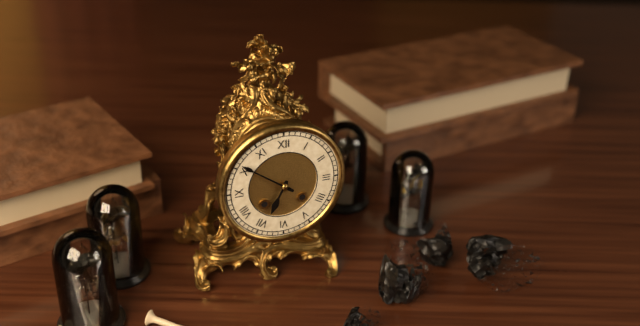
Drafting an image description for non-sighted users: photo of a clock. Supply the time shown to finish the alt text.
6:51
